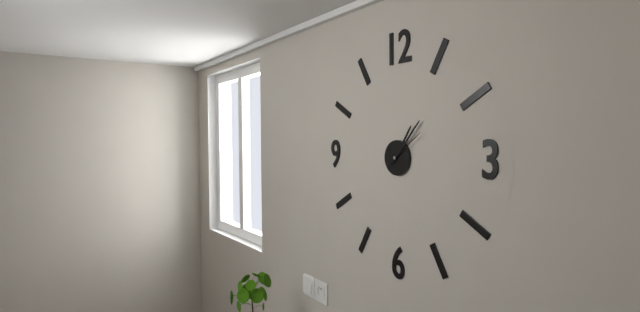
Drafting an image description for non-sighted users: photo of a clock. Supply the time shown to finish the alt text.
1:07
